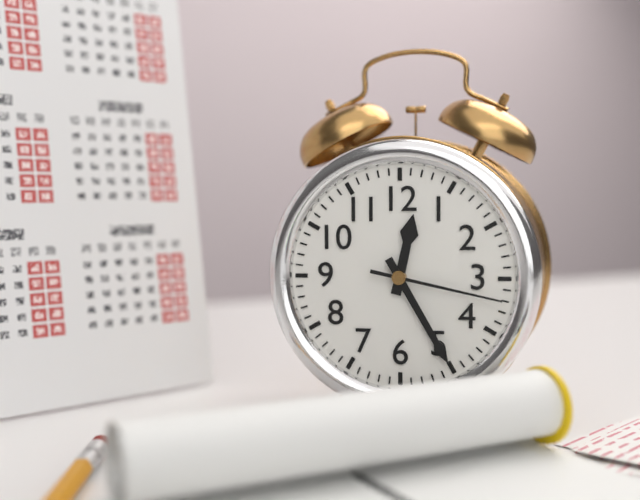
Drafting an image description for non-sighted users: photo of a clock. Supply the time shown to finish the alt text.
12:25:17
